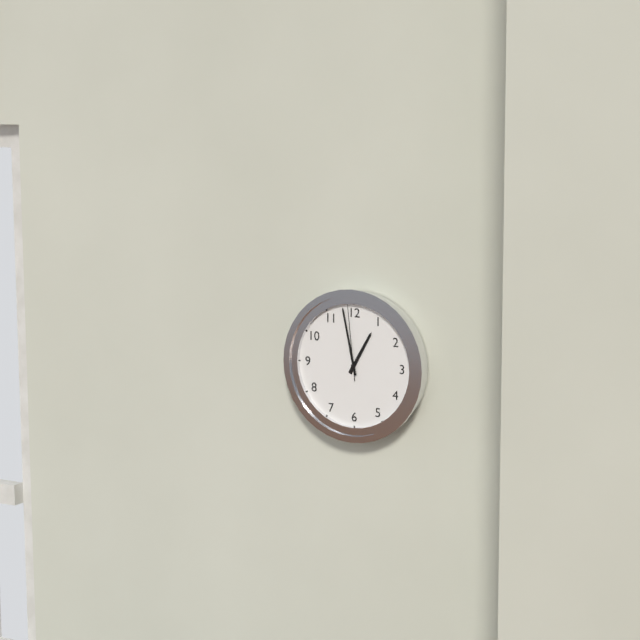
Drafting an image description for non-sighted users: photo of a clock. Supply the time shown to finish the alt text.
12:58:59
